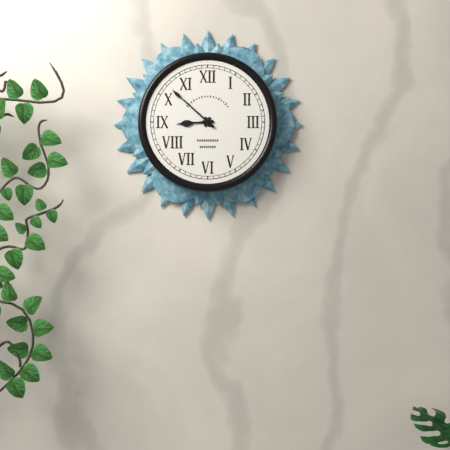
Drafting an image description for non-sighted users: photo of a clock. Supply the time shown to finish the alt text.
8:52
